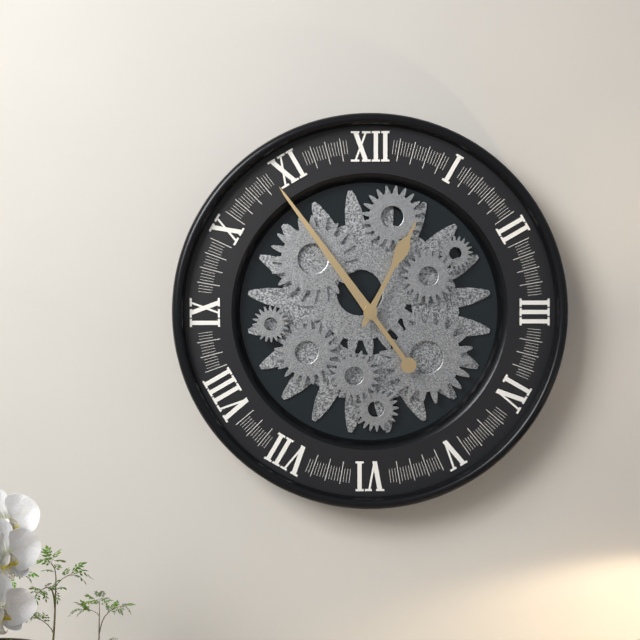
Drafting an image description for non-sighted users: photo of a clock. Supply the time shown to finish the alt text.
12:54
